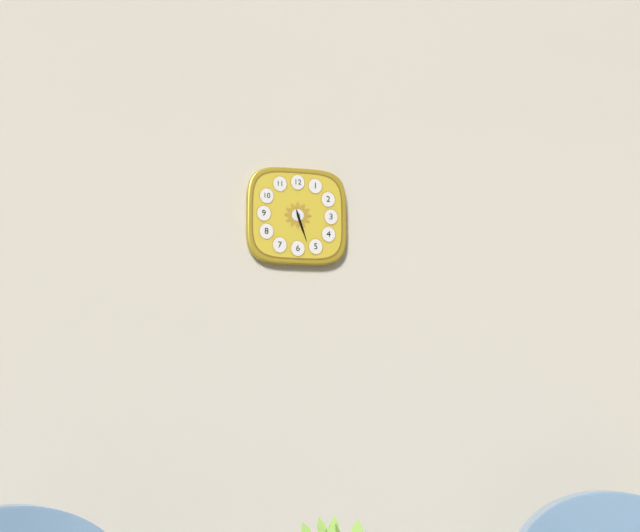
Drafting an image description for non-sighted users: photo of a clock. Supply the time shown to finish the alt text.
5:27
